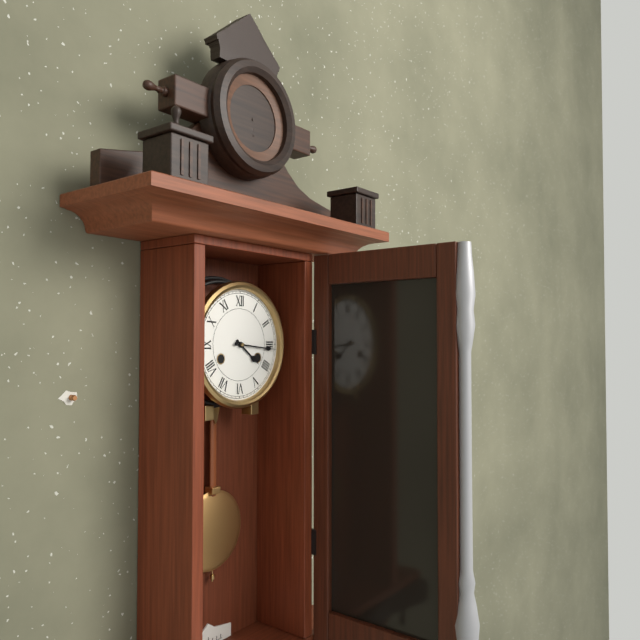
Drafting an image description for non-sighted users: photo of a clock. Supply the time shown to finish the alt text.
4:16
